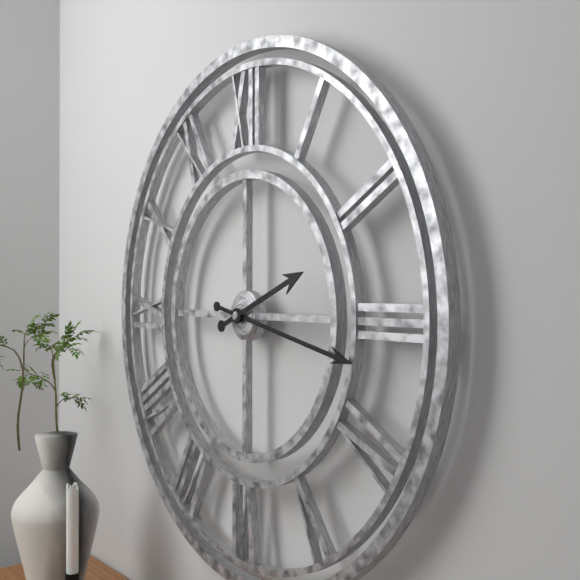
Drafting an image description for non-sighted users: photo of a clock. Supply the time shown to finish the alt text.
2:17
